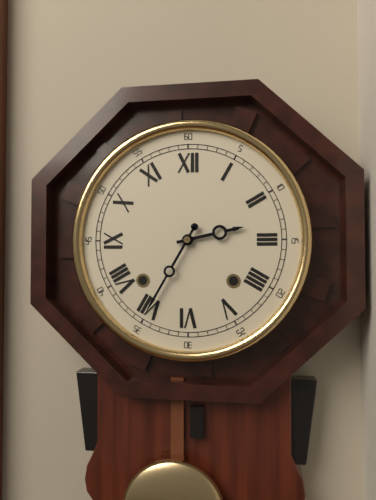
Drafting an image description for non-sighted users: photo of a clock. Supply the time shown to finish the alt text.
2:35
